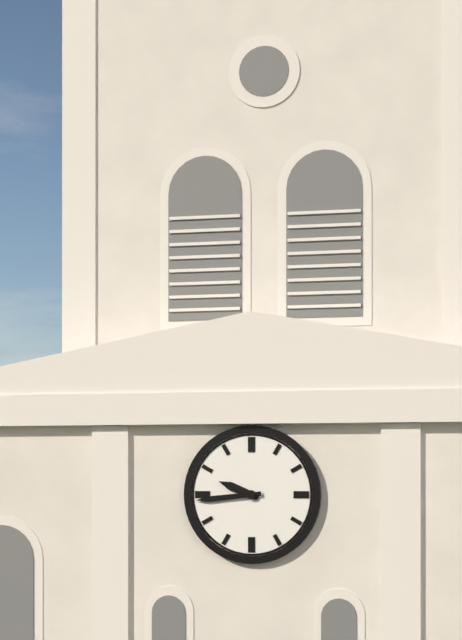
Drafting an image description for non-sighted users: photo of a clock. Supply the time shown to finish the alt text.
9:44
